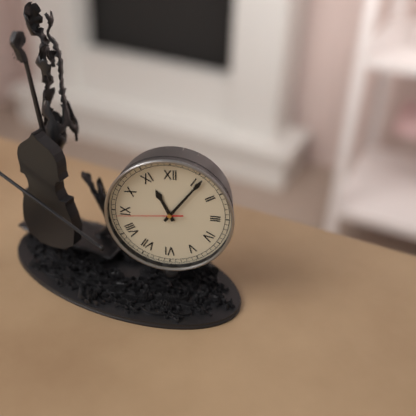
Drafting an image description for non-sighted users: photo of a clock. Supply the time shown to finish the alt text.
11:06:44
